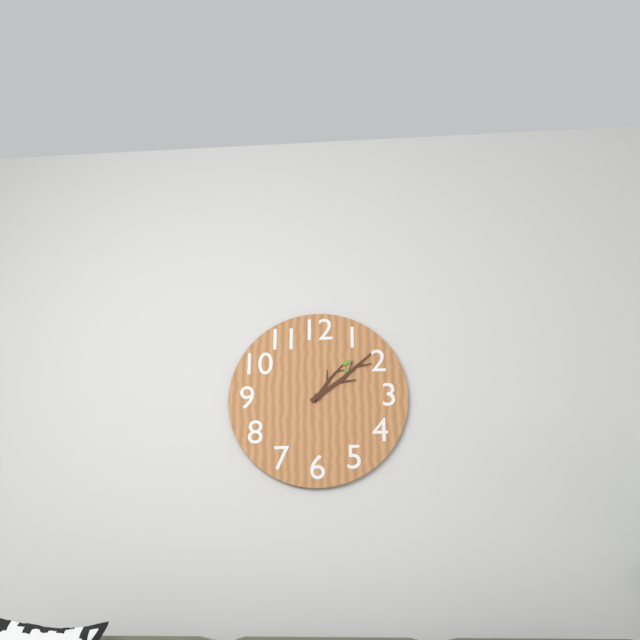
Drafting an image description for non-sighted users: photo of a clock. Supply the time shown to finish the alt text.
1:09
